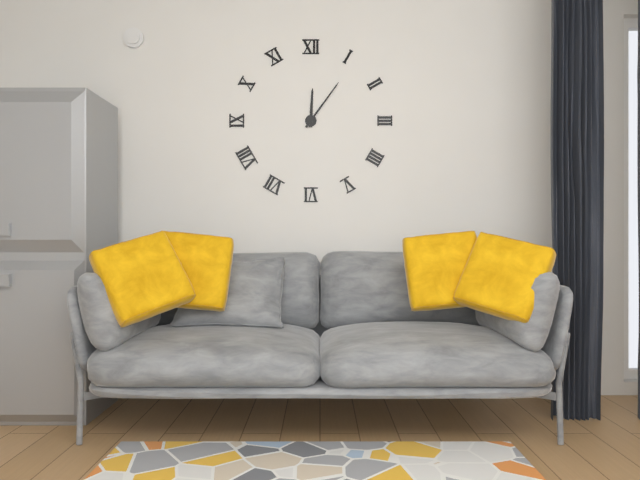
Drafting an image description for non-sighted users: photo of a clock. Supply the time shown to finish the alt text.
12:06
